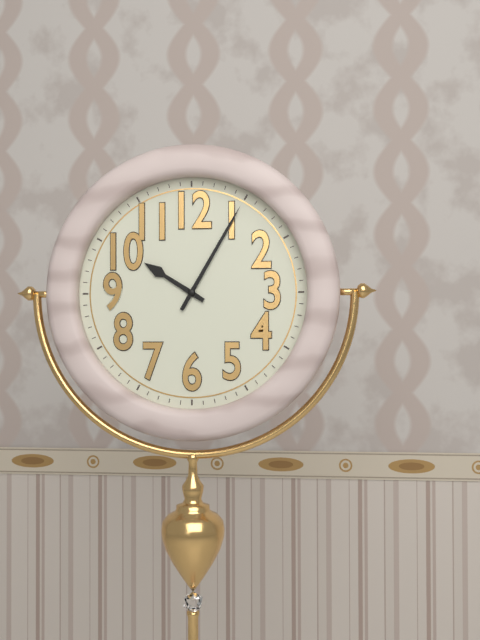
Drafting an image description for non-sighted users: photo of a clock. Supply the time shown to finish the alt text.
10:05
